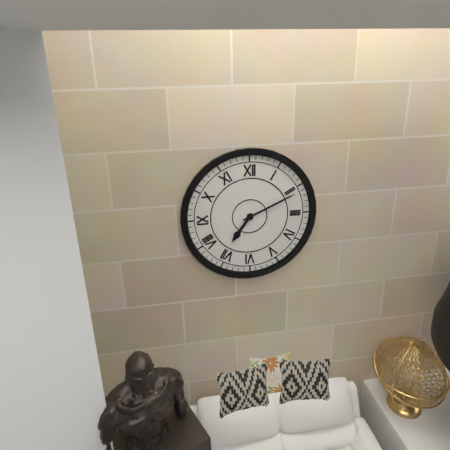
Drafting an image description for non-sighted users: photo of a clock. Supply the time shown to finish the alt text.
7:11
